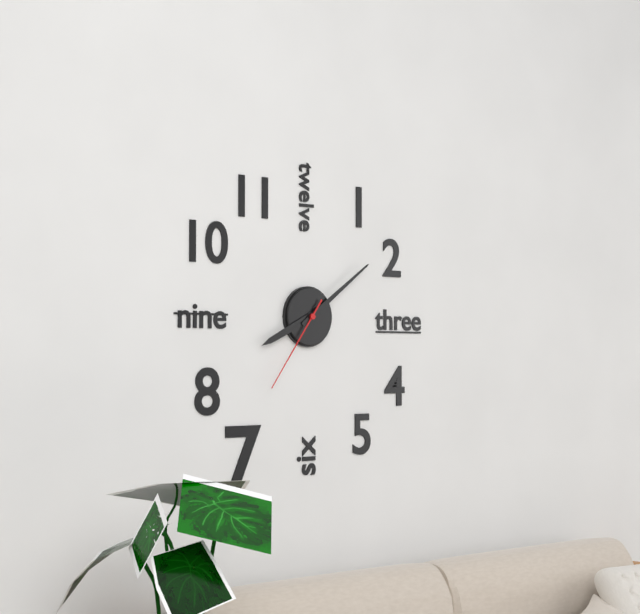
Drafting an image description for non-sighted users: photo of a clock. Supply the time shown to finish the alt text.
8:09:36
